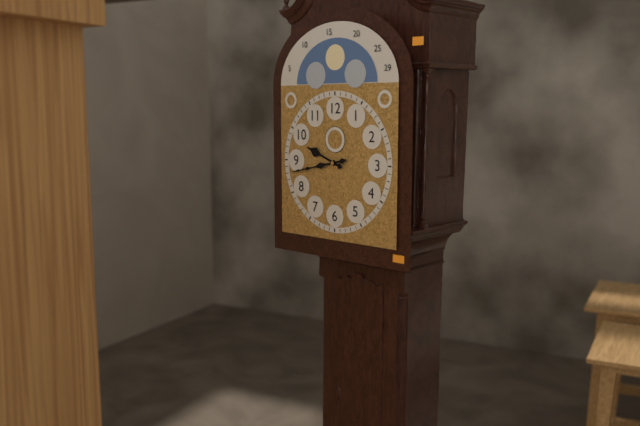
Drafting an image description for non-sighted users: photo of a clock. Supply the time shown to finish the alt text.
9:43
